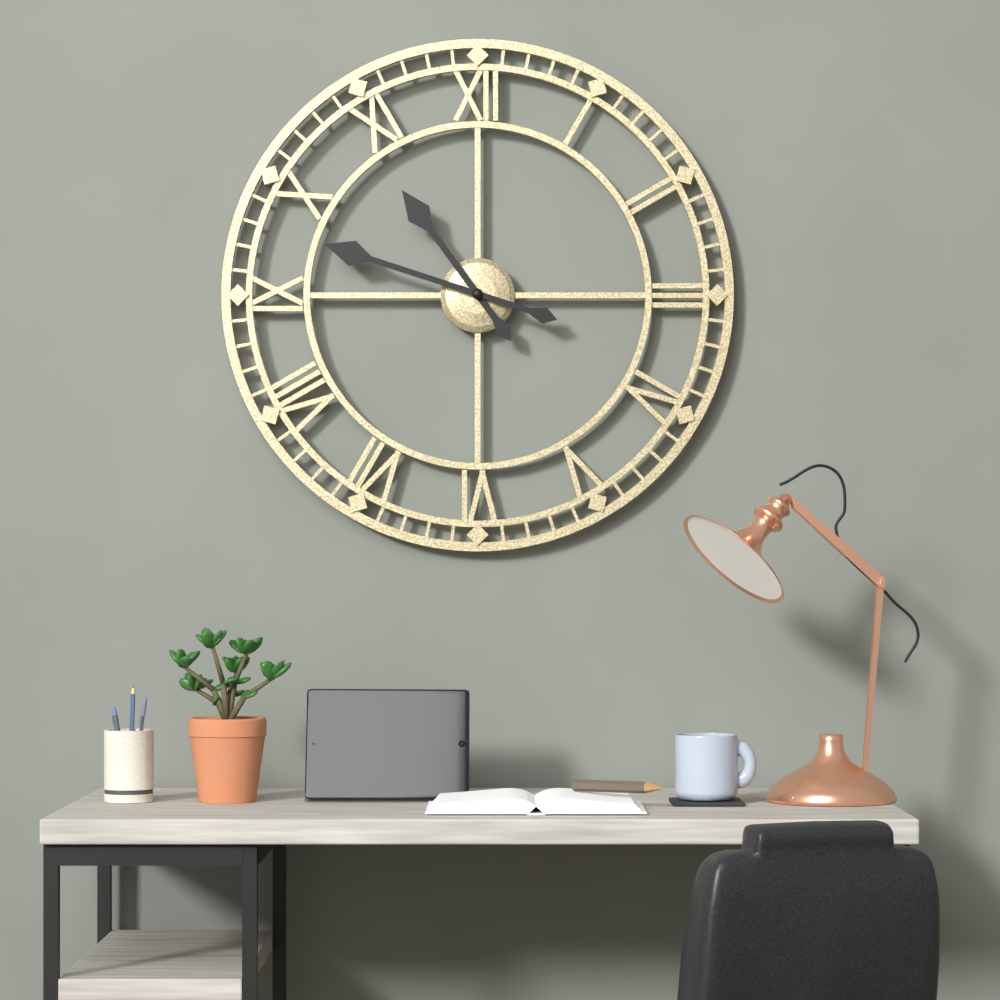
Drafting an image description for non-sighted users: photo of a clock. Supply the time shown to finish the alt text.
10:48
